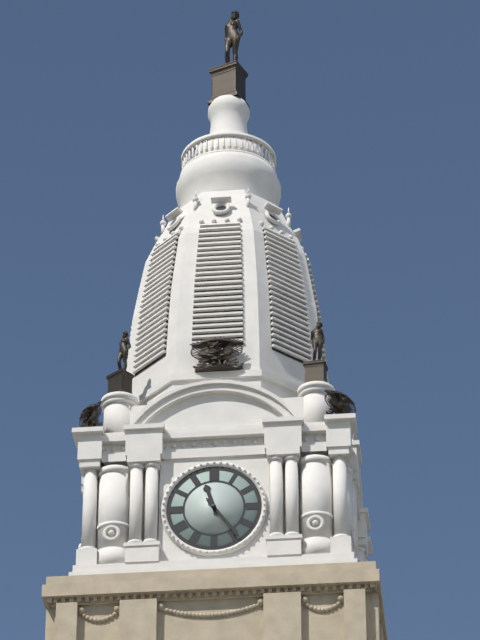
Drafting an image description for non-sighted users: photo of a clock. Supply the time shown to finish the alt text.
11:24
